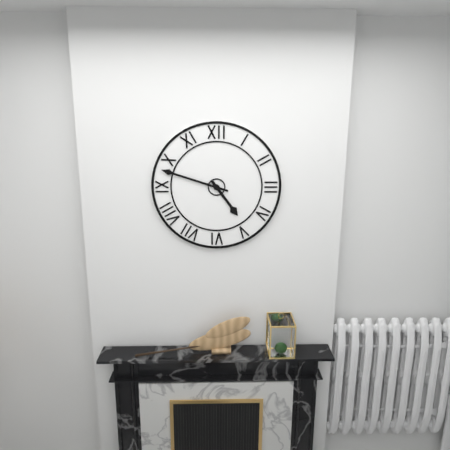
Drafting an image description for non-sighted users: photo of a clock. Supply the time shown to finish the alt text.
4:48
